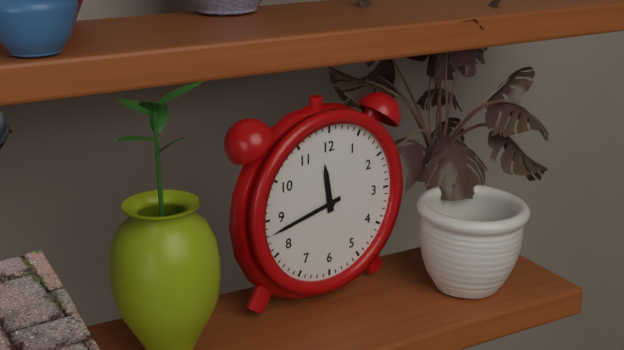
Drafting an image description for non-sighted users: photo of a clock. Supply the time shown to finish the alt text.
11:43
